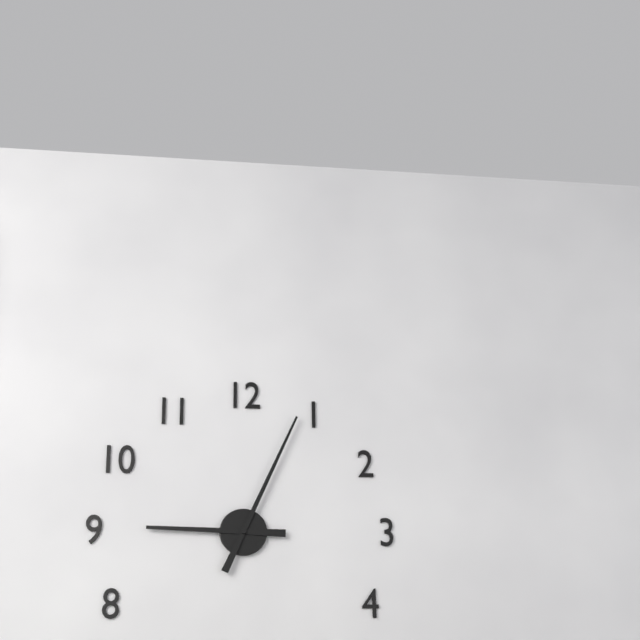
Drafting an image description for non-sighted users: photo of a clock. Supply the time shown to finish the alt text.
9:04
